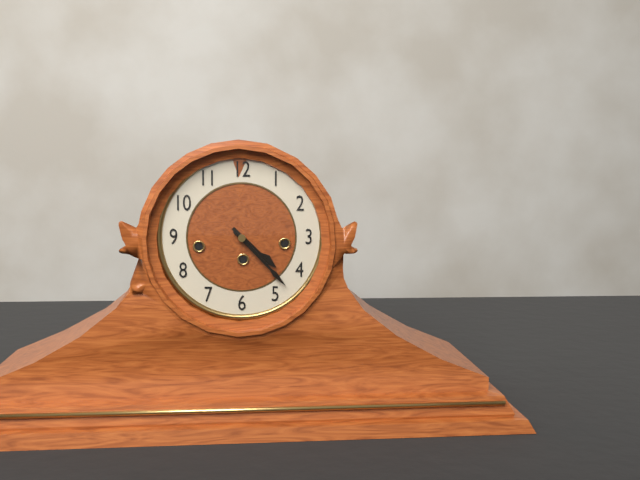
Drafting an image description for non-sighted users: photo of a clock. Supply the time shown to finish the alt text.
4:23
